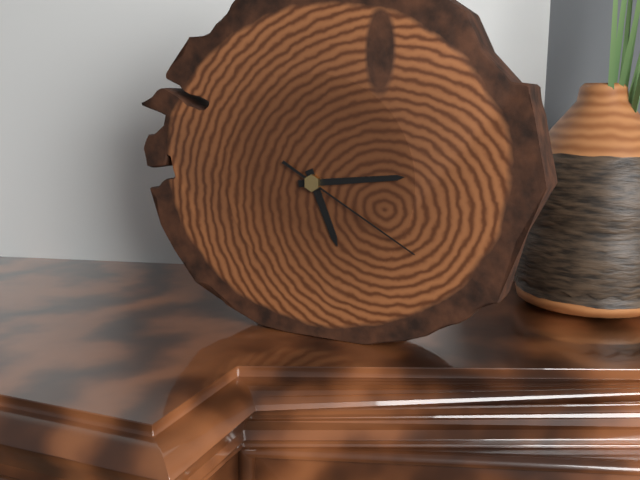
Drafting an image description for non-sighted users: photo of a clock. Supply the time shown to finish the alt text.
5:14:20
